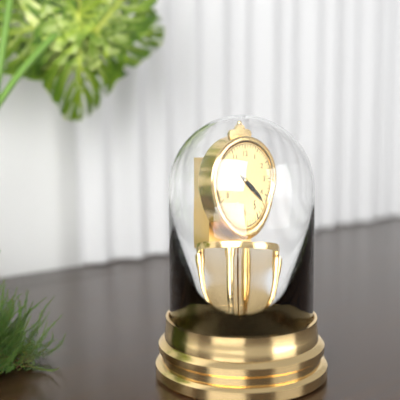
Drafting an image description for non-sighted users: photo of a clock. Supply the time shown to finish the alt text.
4:22
